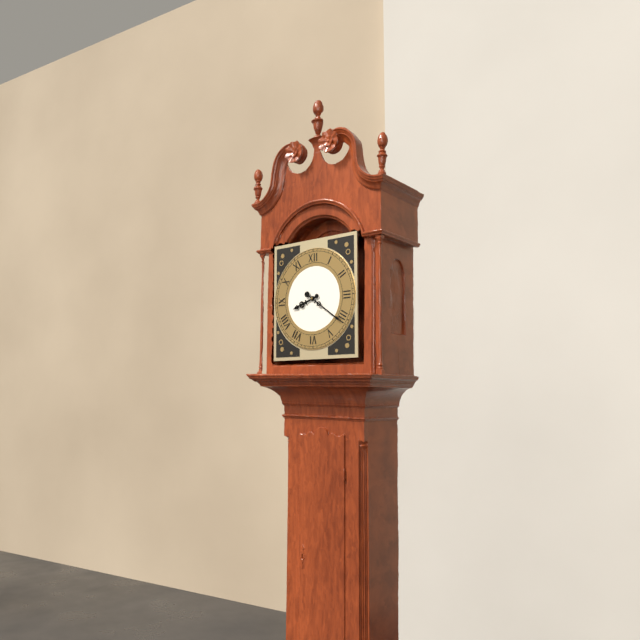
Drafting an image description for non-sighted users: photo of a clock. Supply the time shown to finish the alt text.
8:21
